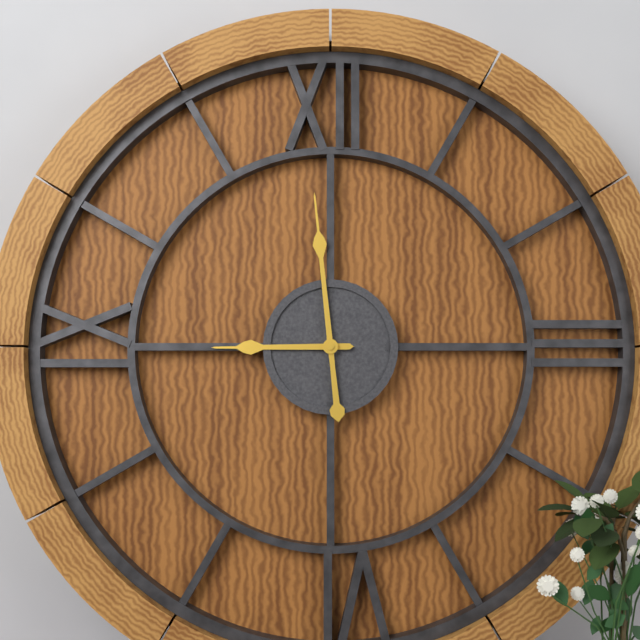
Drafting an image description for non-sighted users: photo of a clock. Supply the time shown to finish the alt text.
8:59
